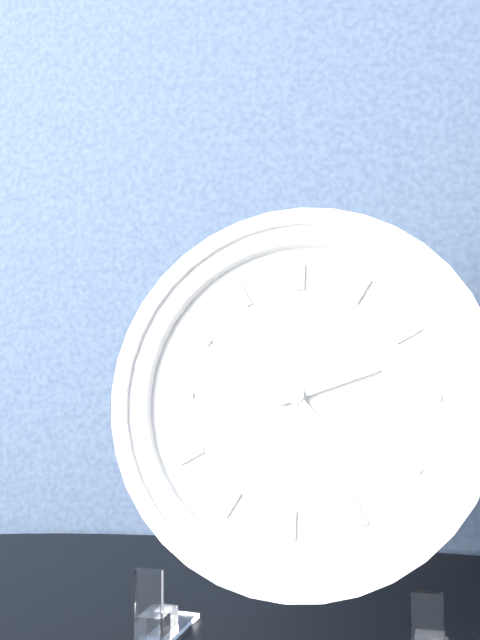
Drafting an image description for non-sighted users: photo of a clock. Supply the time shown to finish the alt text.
2:23
